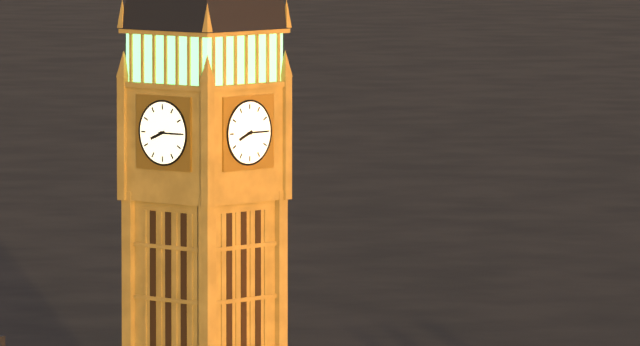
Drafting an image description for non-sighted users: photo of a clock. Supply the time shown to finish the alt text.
8:15
